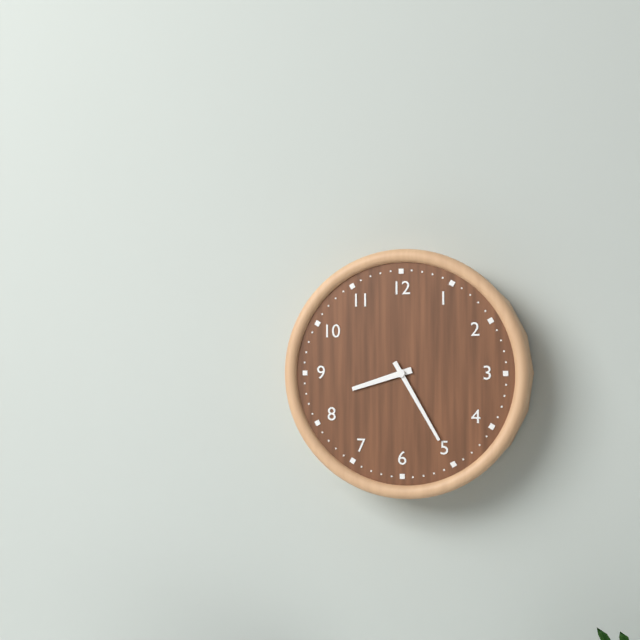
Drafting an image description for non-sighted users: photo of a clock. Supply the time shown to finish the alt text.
8:25
